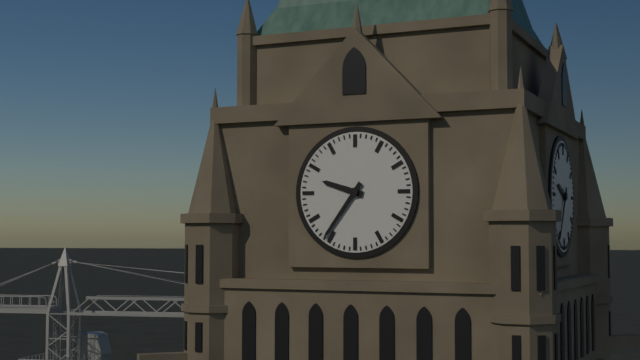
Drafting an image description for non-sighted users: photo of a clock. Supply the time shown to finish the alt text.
9:36
